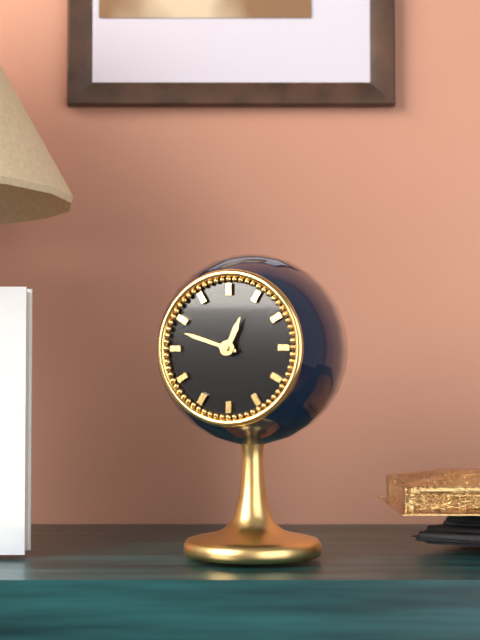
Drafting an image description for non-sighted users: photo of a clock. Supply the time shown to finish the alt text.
12:48
